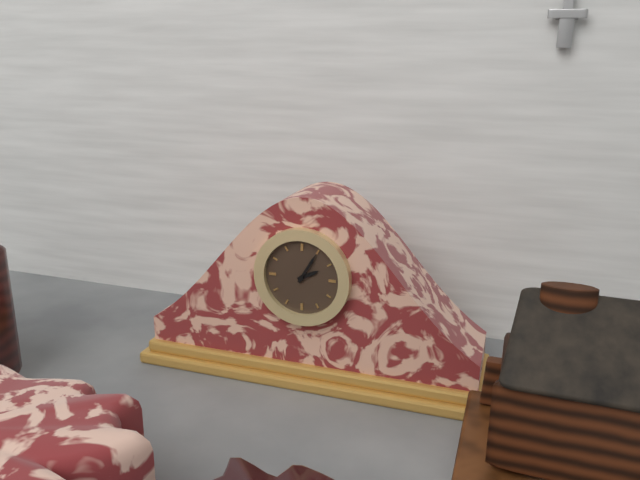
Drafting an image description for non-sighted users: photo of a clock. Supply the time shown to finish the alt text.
2:05
